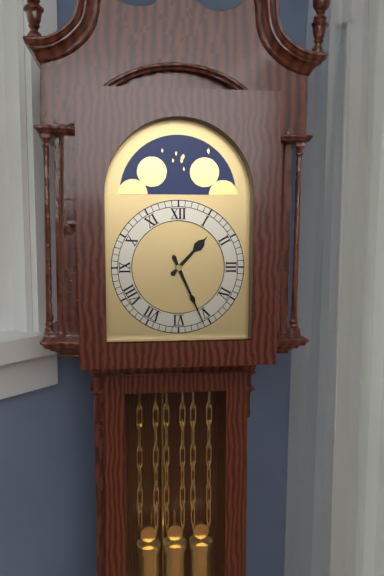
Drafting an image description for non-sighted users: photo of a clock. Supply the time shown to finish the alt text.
1:26
